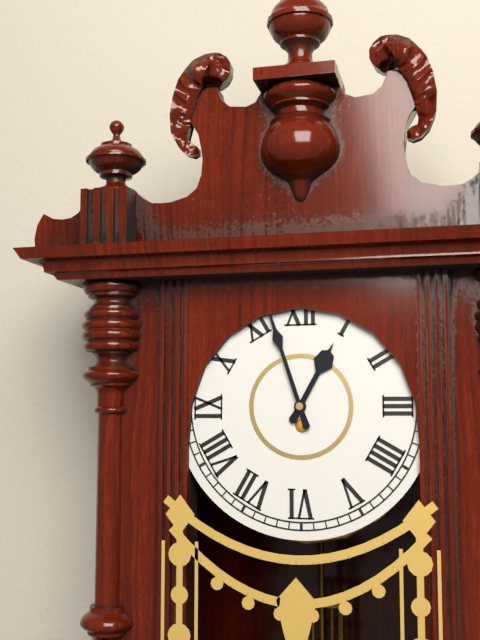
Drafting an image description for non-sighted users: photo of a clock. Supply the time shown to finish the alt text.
12:57
